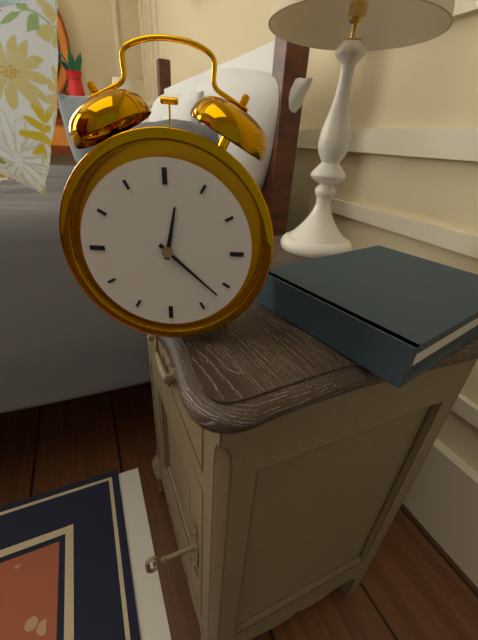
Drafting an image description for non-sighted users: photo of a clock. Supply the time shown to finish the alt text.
12:22
